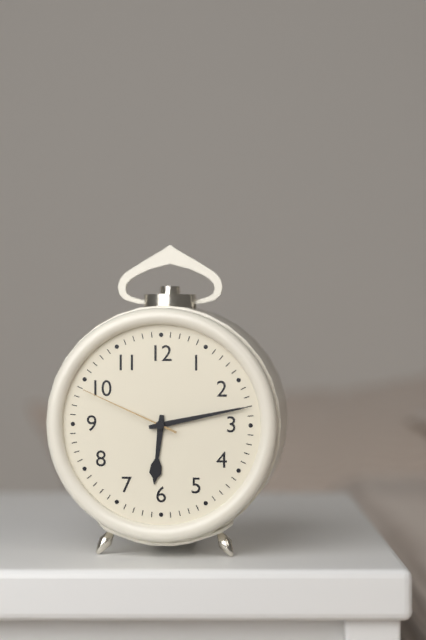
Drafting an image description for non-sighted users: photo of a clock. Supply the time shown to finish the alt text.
6:13:49
